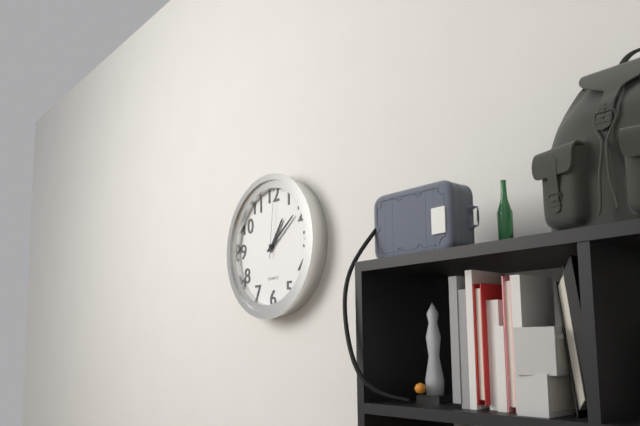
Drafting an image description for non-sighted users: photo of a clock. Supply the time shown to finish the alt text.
1:09:01
